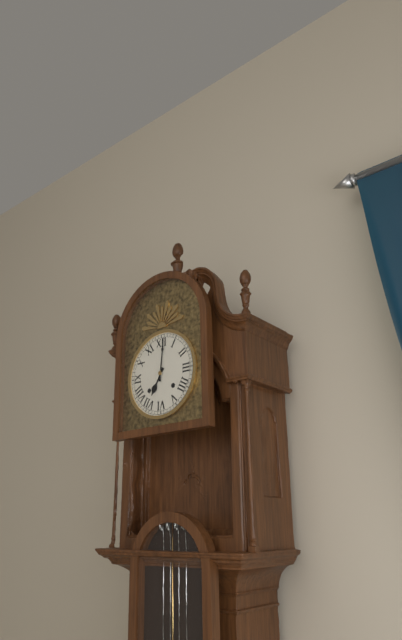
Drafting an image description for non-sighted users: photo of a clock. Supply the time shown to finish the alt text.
7:01
